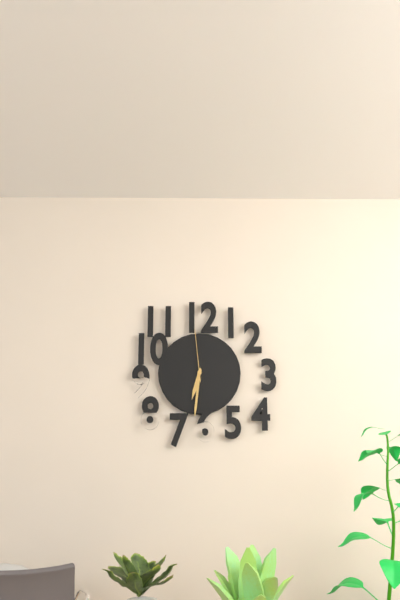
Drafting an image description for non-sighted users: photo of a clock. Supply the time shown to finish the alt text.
6:31:59
